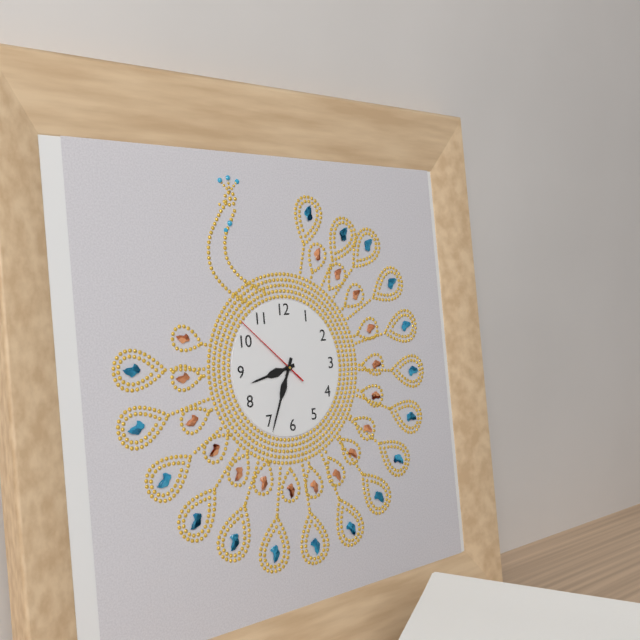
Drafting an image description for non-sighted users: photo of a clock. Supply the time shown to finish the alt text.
8:34:52
